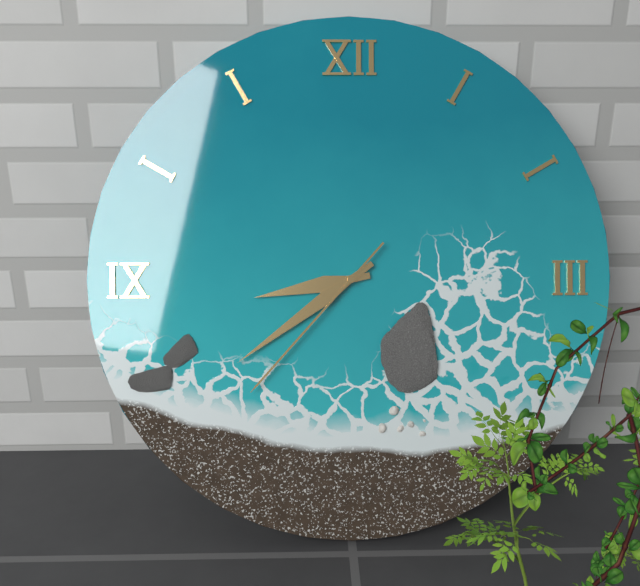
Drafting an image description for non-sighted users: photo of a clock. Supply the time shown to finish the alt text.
8:39:37
